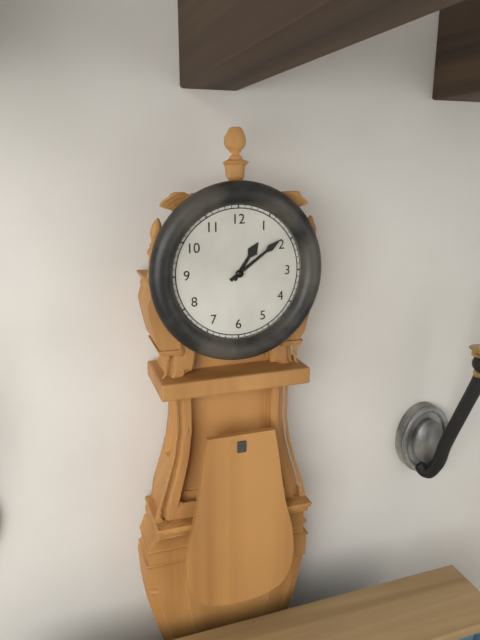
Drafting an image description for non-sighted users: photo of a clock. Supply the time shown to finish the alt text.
1:09
